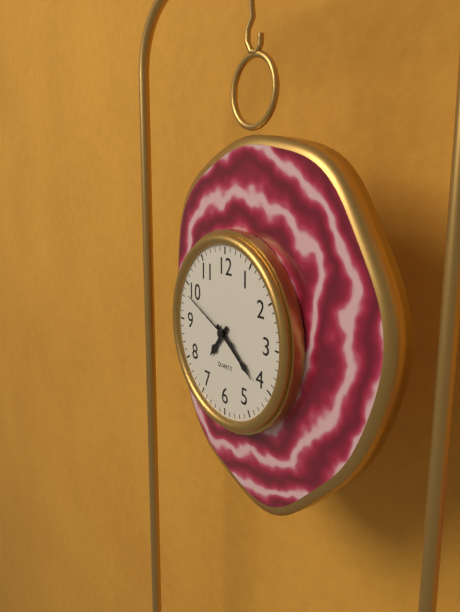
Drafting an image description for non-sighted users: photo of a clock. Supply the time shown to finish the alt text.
7:21:49
